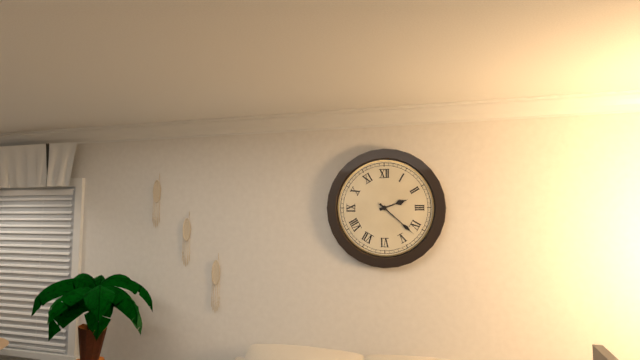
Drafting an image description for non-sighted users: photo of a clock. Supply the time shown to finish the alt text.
2:22
